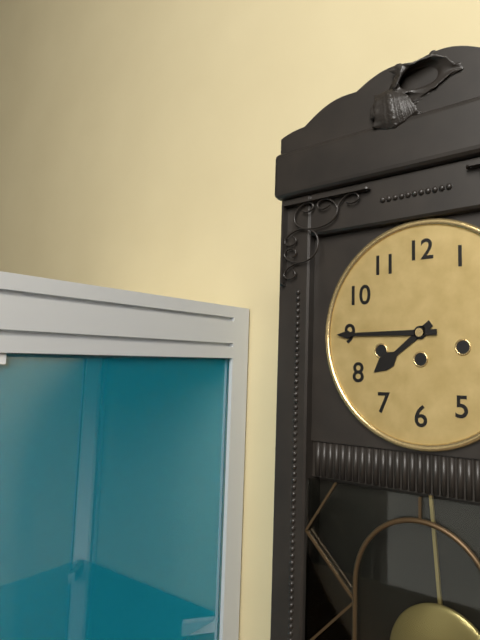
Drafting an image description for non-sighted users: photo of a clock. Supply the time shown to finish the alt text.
7:45
